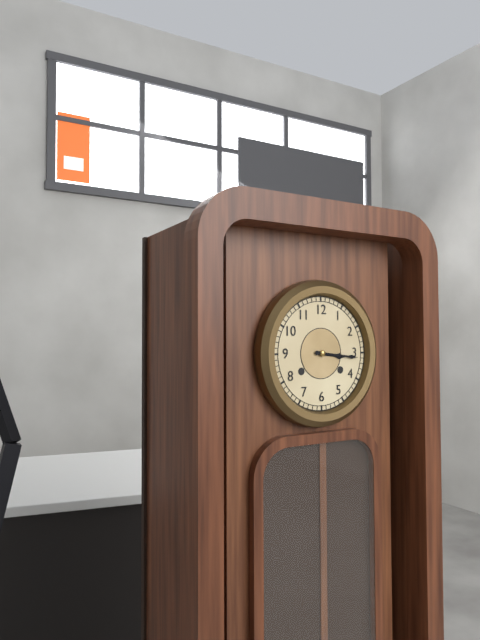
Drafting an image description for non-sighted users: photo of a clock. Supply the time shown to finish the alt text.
3:16
